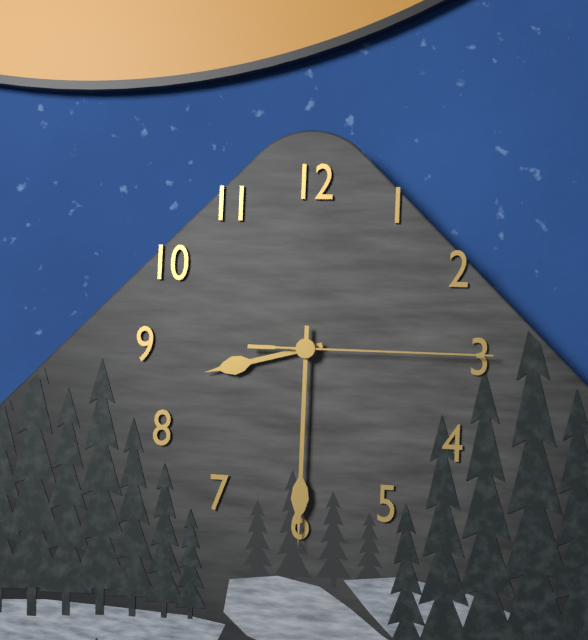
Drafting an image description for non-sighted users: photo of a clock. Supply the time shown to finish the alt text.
8:30:15
